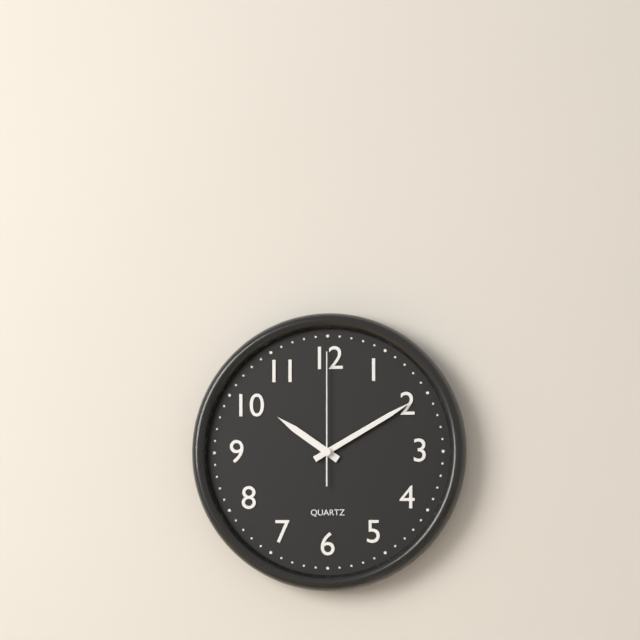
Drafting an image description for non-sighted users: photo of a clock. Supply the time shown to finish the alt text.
10:10:00
